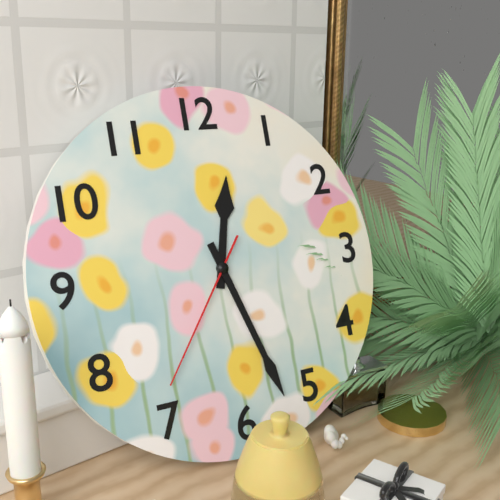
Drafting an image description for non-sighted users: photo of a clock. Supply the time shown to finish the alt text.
12:27:36
